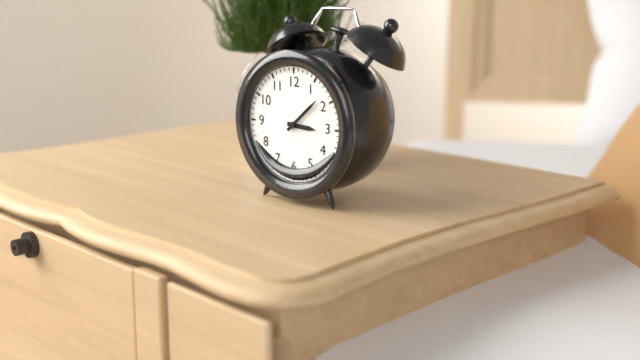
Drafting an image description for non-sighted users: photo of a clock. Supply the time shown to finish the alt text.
3:08
